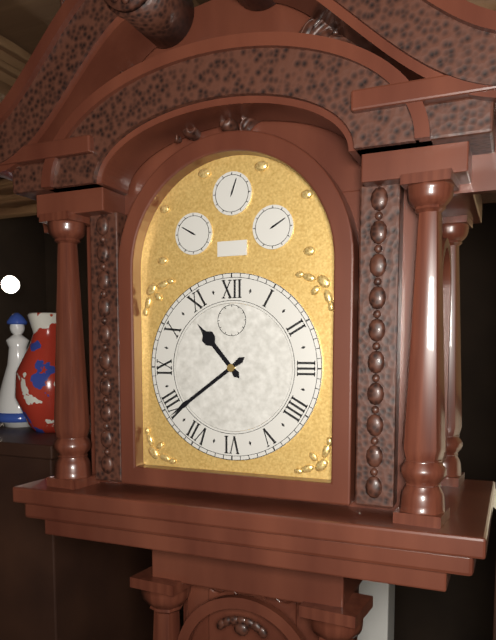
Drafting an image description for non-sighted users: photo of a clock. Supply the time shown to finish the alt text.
10:39
